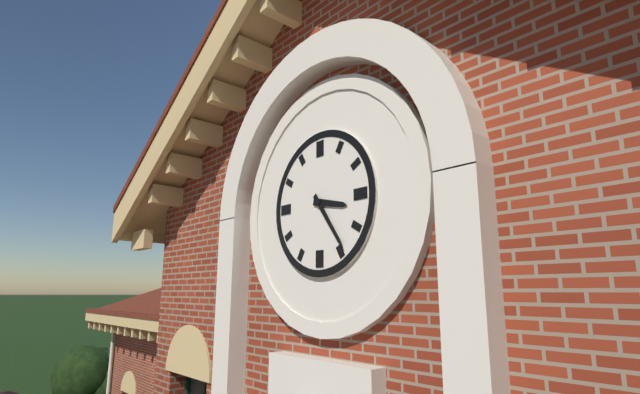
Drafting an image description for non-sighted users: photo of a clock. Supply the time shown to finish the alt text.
3:24
